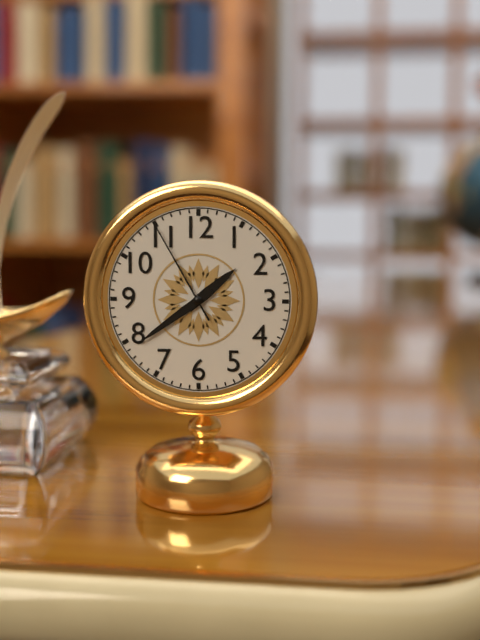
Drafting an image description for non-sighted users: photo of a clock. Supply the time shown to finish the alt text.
1:39:55
